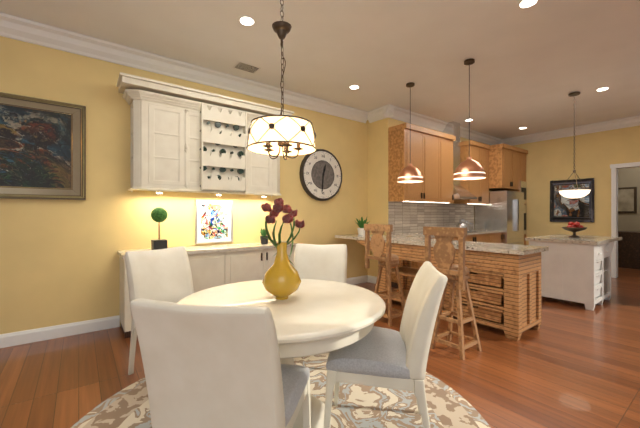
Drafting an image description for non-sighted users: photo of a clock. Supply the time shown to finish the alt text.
12:31
